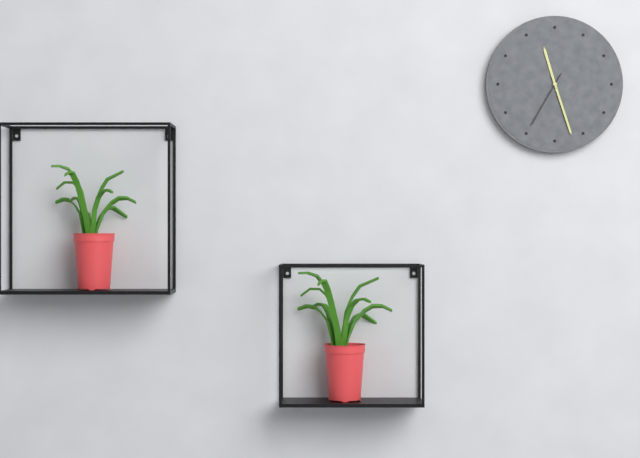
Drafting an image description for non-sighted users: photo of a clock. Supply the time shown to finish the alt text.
11:27:35
